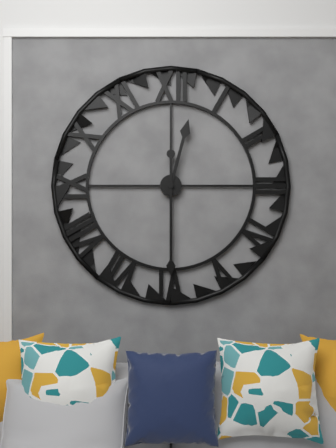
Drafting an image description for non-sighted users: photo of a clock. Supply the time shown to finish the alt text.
12:30
